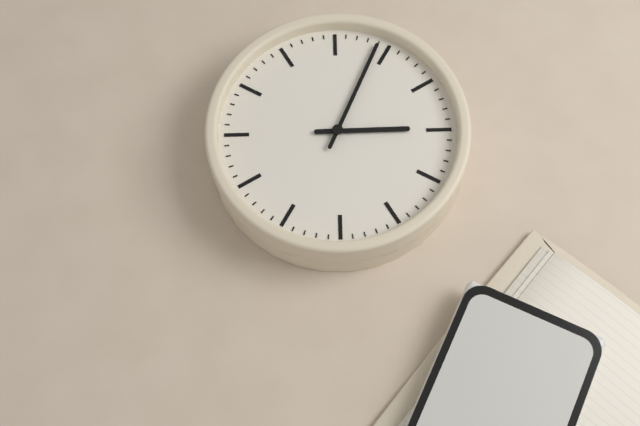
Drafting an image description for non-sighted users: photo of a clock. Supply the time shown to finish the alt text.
1:59
